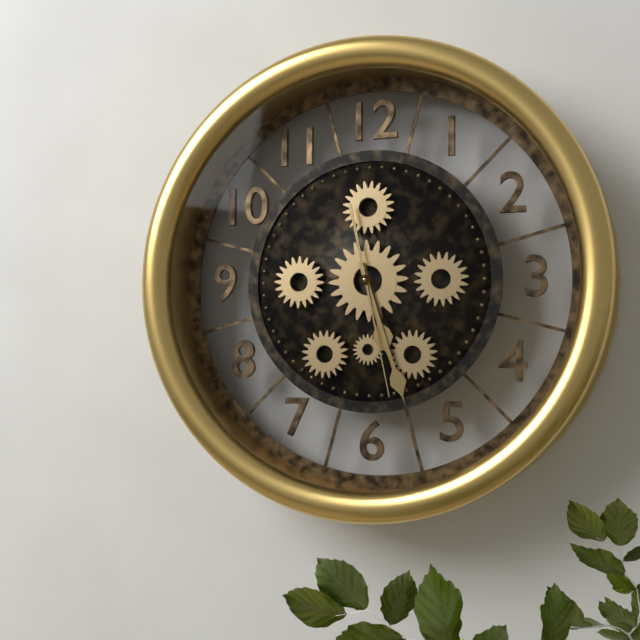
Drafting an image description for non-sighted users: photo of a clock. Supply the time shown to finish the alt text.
5:27:28
